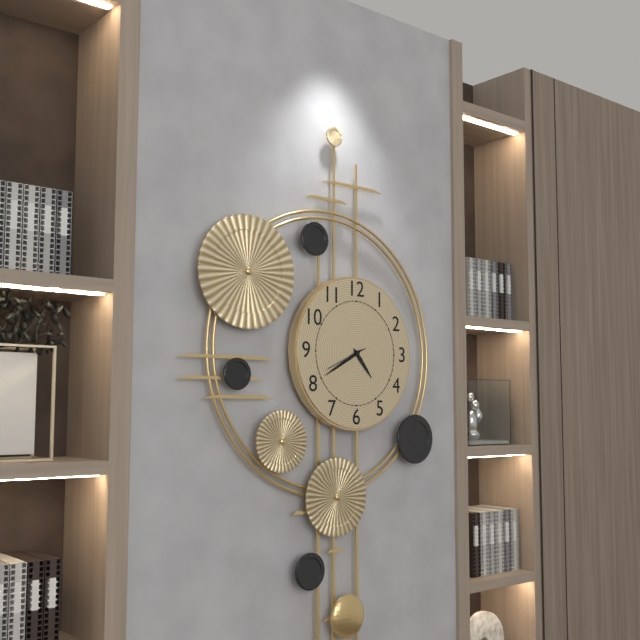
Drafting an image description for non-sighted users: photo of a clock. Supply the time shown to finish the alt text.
4:40
